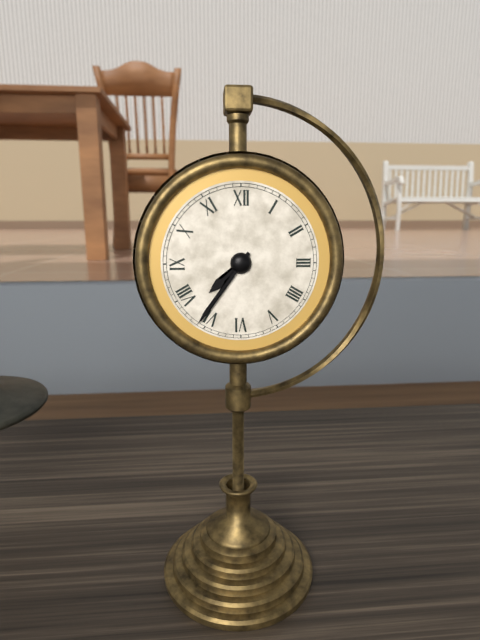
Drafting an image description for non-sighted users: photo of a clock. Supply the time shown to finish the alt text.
7:36
